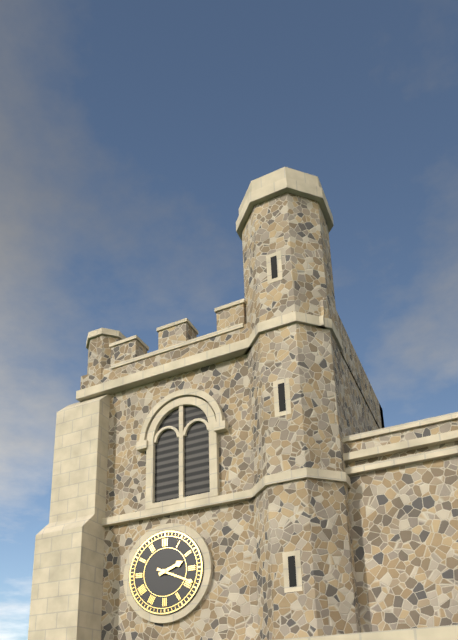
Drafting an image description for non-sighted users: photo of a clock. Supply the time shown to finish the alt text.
2:19
